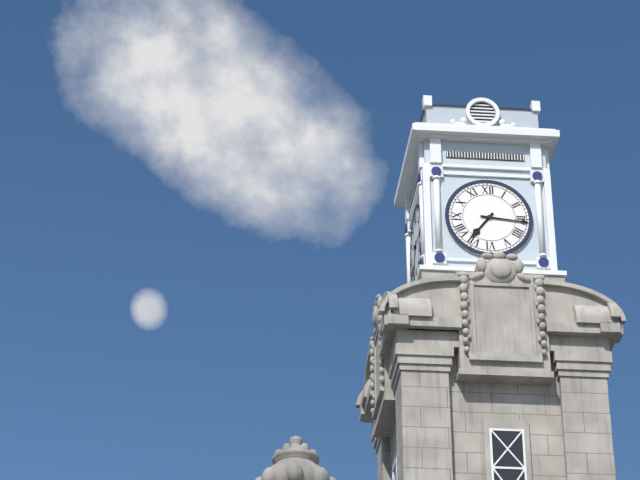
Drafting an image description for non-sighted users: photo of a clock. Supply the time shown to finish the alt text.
7:16
